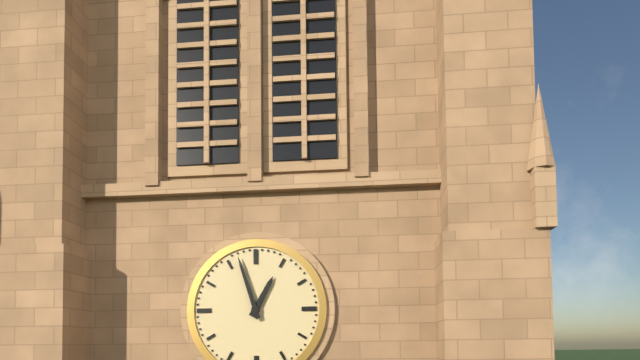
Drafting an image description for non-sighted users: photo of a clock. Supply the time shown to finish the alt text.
12:57
